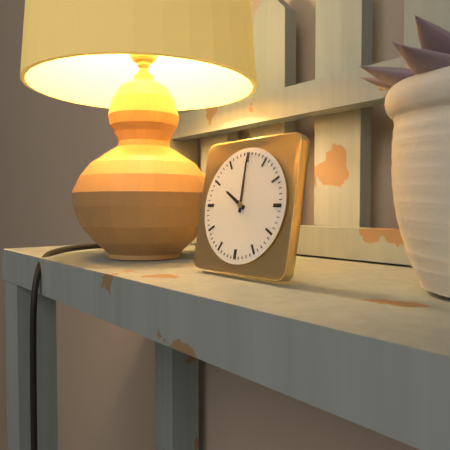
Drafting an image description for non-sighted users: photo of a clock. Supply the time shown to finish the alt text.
10:00
